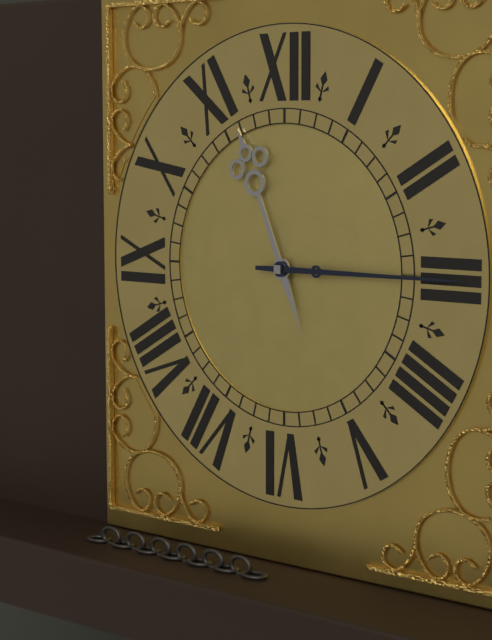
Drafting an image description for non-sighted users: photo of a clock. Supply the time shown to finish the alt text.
11:15
